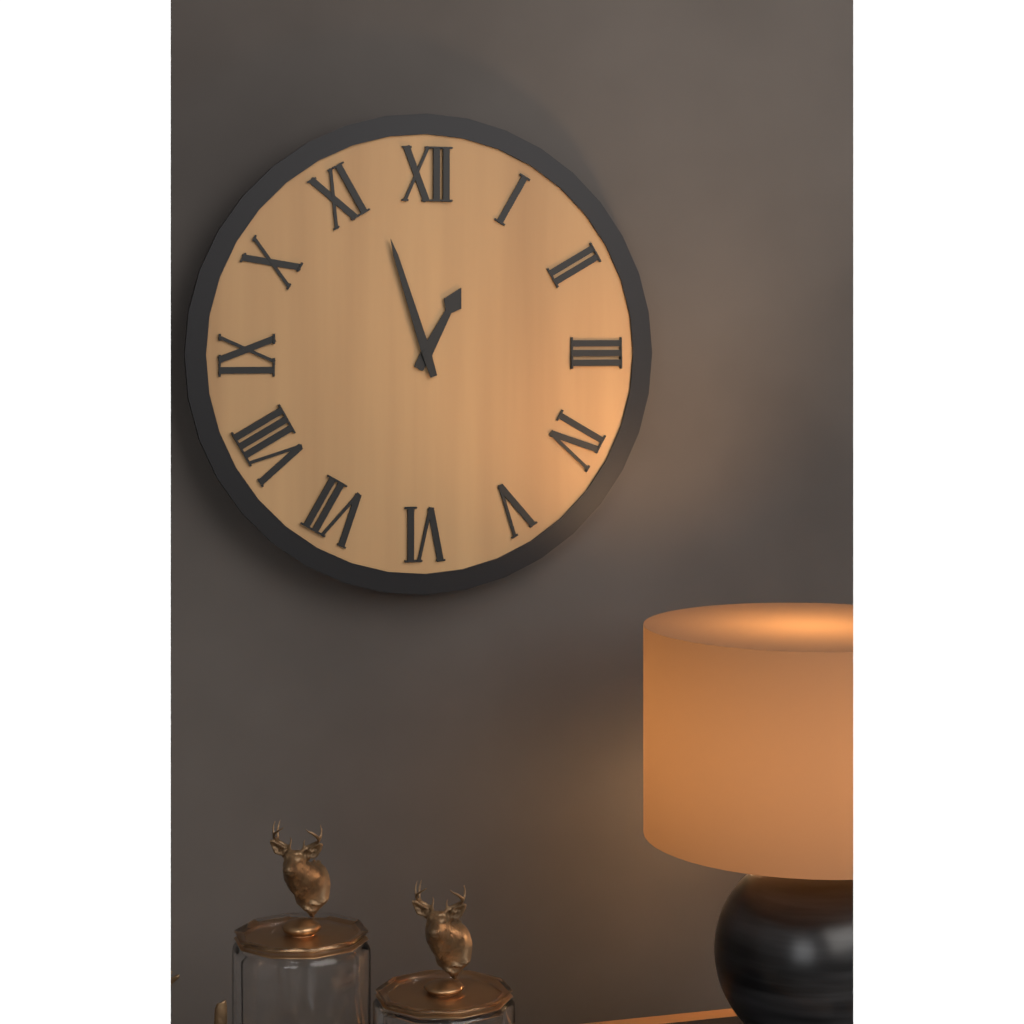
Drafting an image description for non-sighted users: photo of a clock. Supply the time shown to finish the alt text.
12:57
